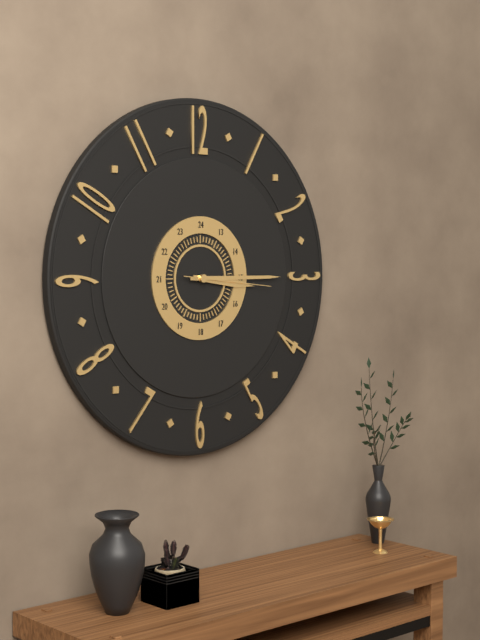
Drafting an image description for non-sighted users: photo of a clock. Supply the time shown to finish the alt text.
3:15:16
